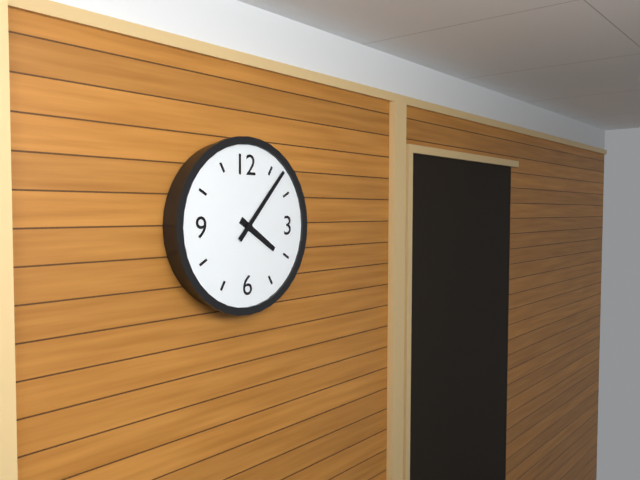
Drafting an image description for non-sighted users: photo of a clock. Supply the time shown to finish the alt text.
4:07
